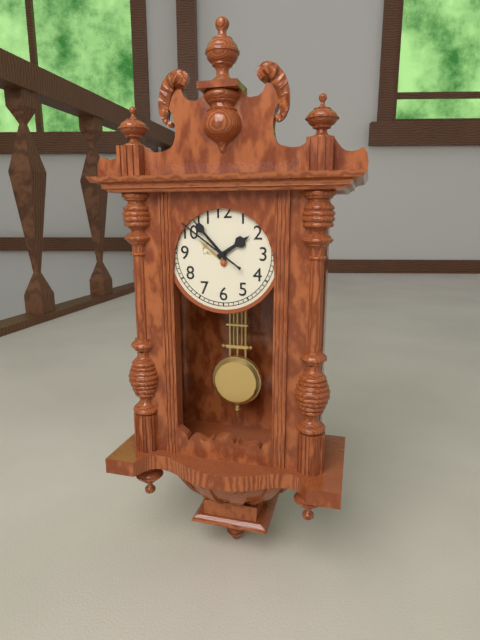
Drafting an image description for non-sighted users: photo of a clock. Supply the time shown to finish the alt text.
1:53:51
